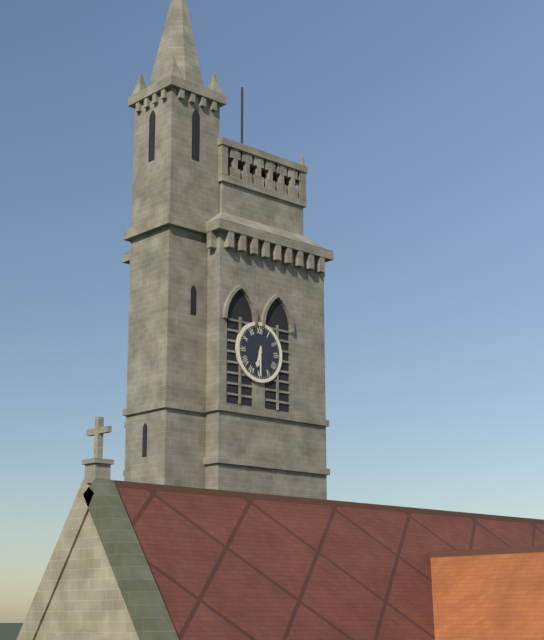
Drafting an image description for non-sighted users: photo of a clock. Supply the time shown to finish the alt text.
6:30
